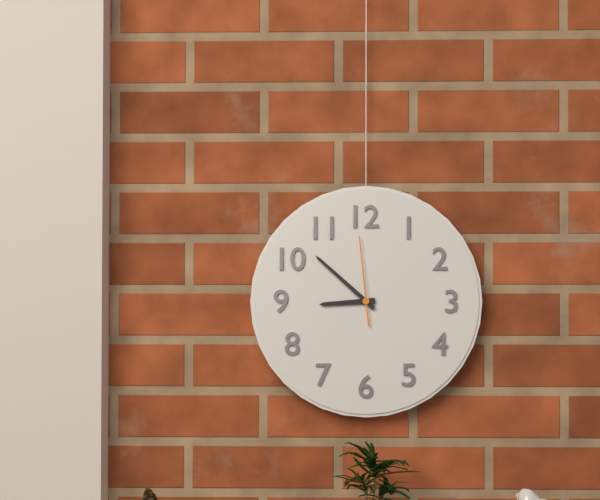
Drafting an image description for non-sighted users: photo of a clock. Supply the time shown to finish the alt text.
8:52:59
